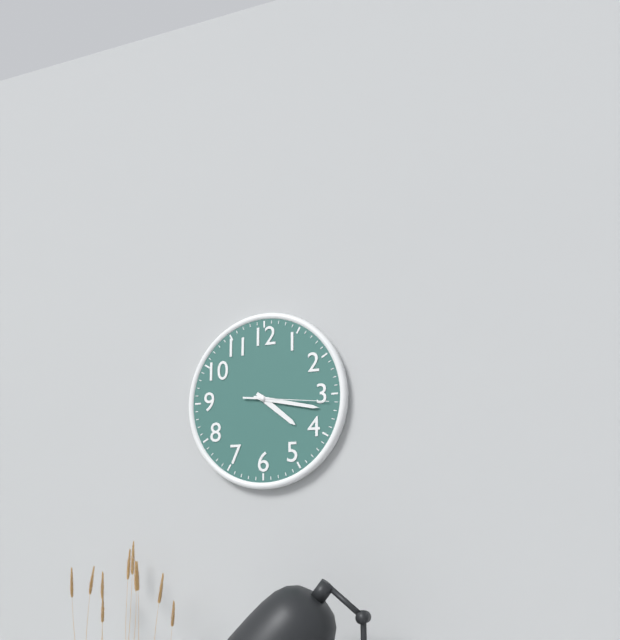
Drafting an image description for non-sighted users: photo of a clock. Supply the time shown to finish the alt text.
4:17:16
